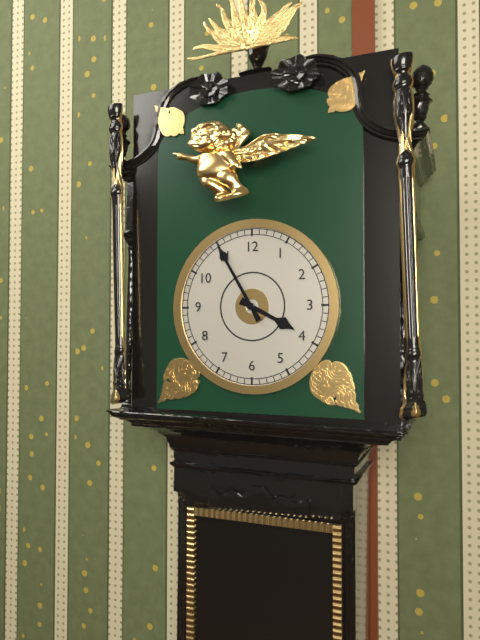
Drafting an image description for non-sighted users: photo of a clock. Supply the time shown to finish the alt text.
3:55
